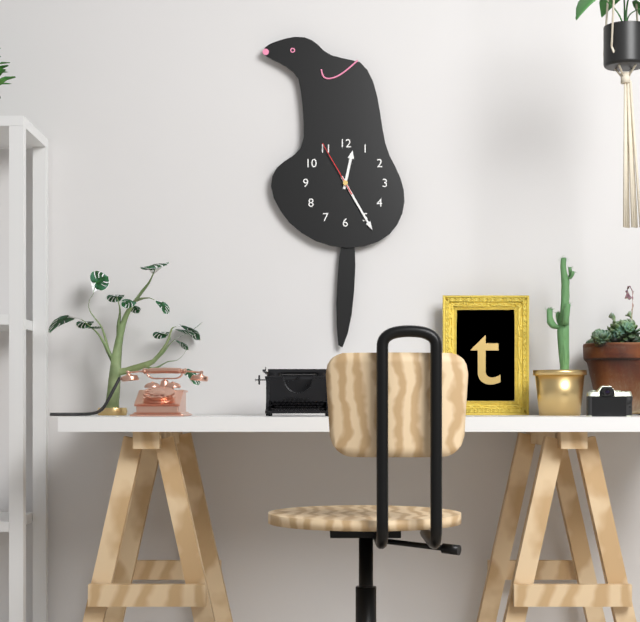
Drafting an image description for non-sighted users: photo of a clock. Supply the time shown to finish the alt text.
12:25:55
